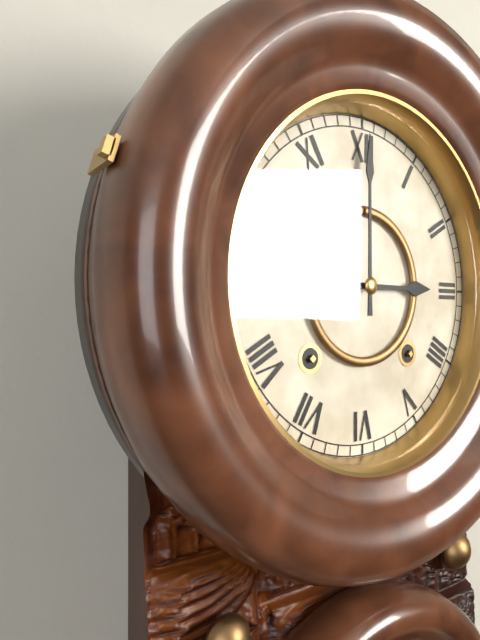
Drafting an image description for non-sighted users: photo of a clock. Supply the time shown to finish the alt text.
3:00
